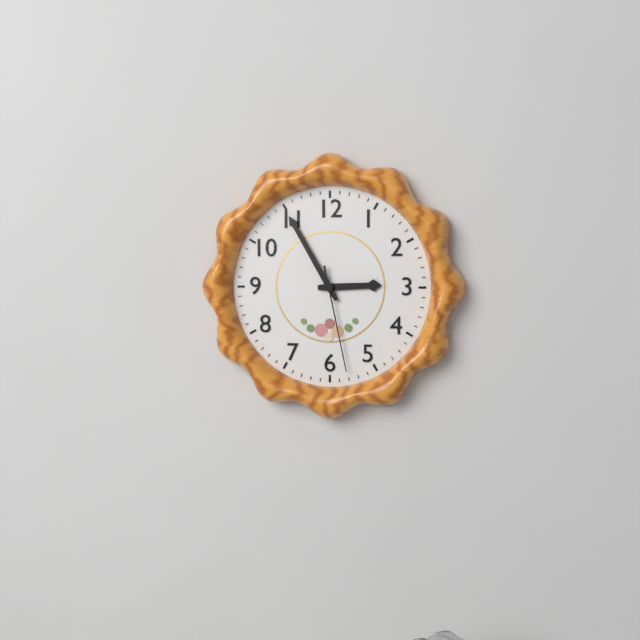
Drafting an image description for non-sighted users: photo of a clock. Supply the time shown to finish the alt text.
2:55:28
